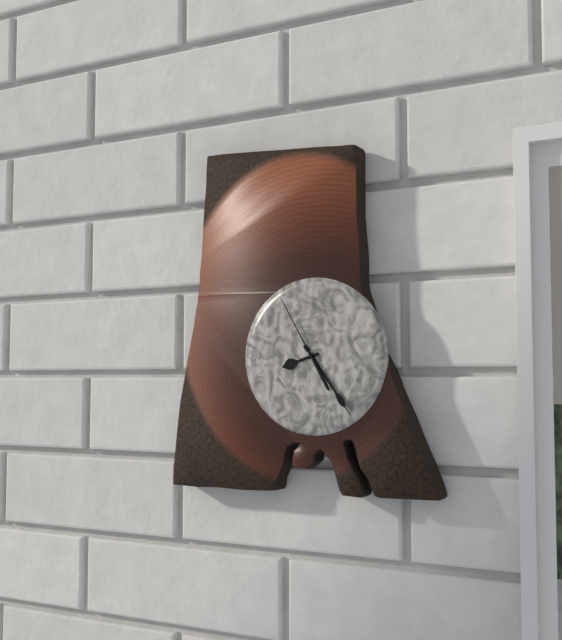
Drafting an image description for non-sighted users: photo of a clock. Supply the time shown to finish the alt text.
8:24:55
